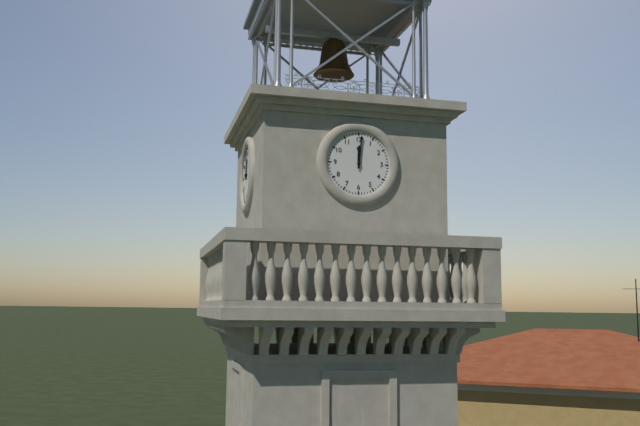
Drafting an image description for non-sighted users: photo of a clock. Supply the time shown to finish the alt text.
12:01
